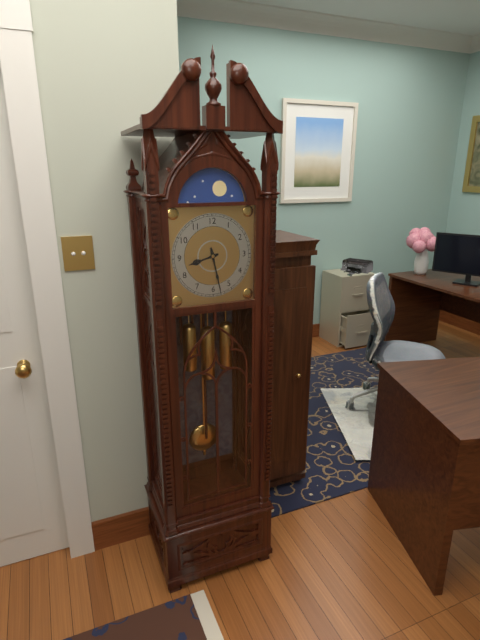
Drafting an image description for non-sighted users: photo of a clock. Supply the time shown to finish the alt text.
8:28
